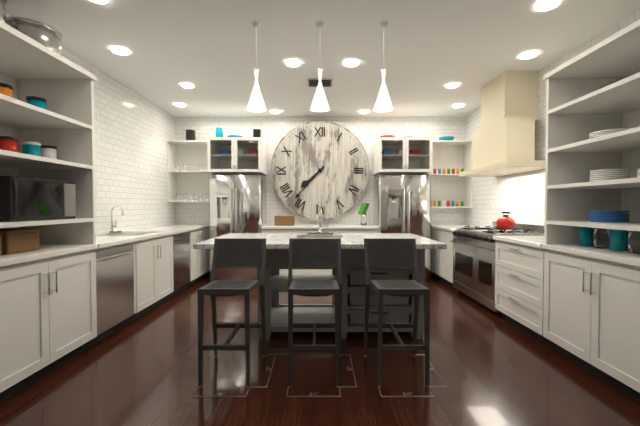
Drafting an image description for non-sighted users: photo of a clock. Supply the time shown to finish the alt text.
7:37
